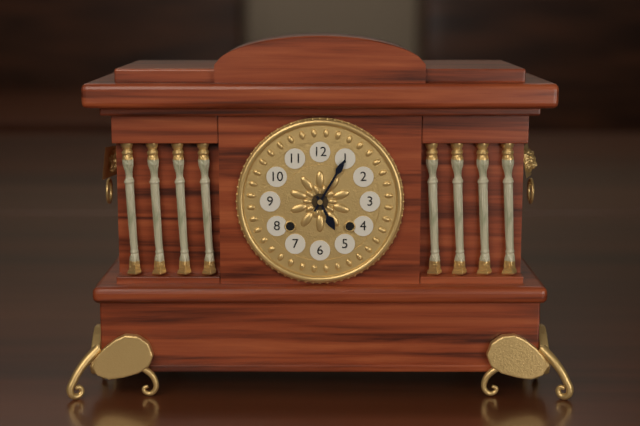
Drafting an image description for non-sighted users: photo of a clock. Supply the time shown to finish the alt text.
5:05
